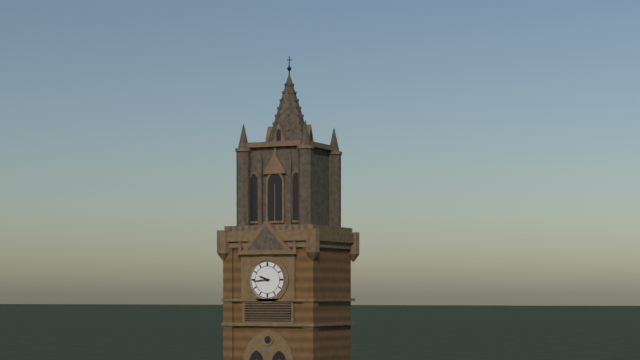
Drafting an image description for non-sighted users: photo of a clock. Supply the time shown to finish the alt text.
9:44
